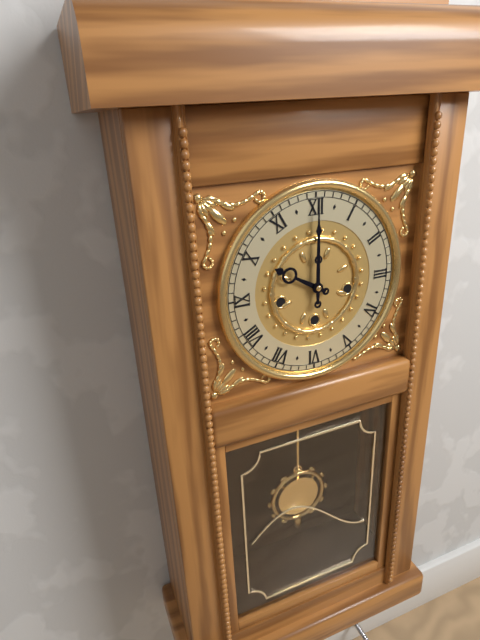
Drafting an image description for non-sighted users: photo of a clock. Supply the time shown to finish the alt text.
10:00
